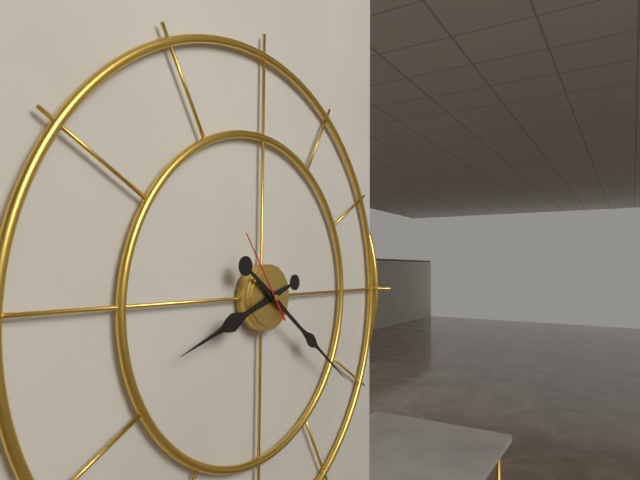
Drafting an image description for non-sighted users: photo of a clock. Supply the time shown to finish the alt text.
8:21:54
